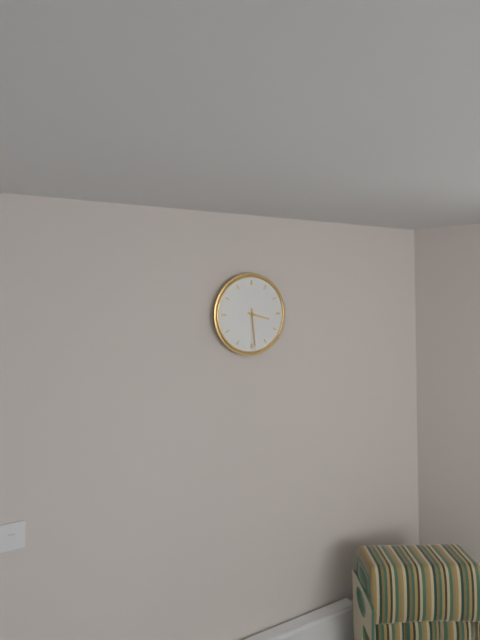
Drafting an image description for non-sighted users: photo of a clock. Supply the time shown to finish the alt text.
3:29
